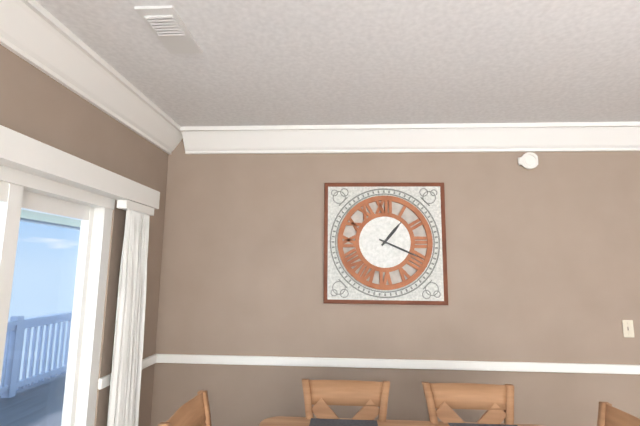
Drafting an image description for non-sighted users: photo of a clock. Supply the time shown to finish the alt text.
1:19
